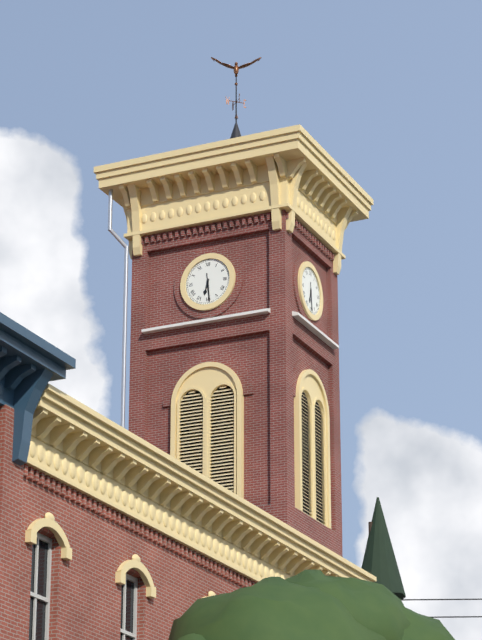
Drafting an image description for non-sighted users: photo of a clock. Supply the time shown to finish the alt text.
6:29
